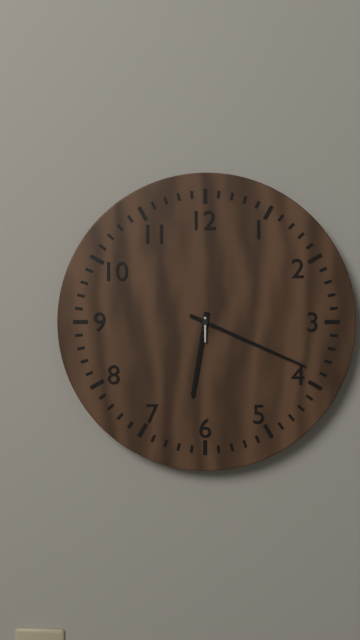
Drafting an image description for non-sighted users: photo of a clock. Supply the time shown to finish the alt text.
6:19
